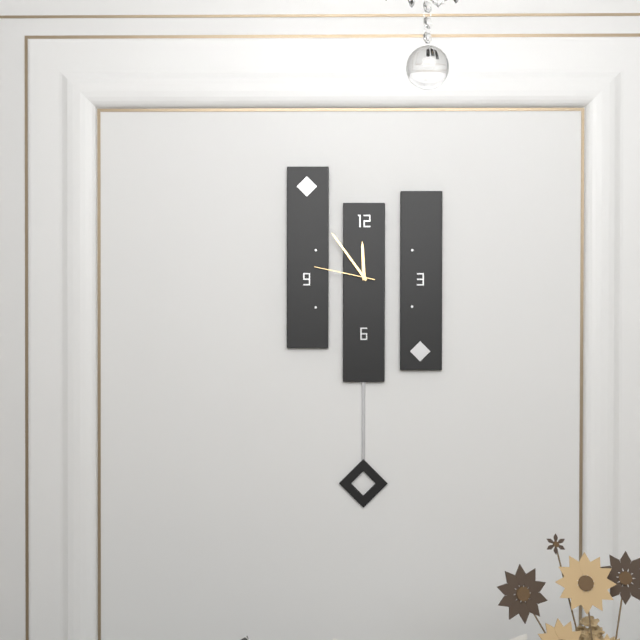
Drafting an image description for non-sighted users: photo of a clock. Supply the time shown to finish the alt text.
11:54:47
